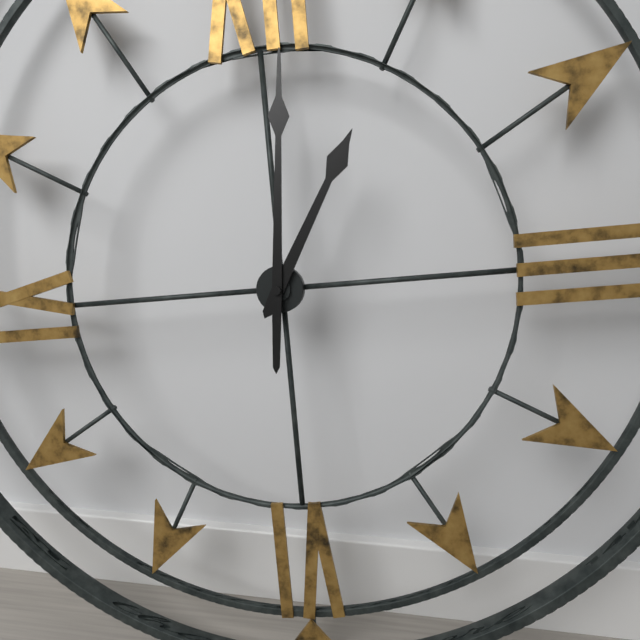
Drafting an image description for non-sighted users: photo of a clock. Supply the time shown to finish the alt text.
1:01
